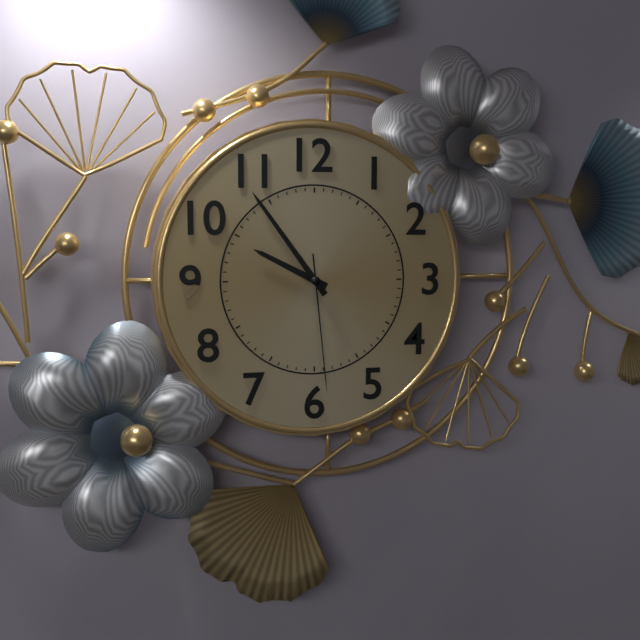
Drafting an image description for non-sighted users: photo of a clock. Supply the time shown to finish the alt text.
9:54:29
